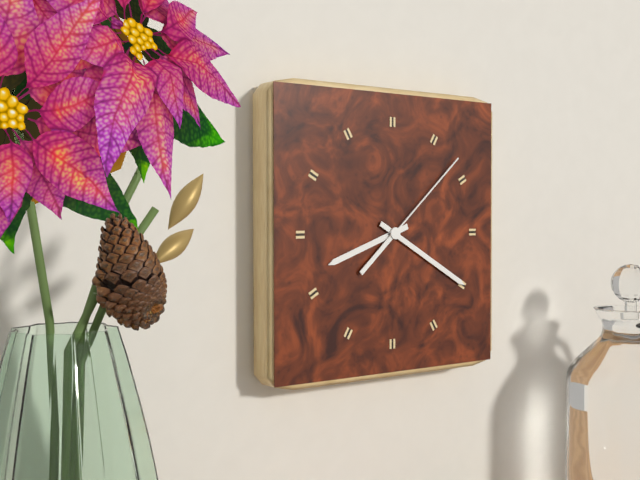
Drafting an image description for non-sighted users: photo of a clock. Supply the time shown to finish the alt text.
8:20:08
